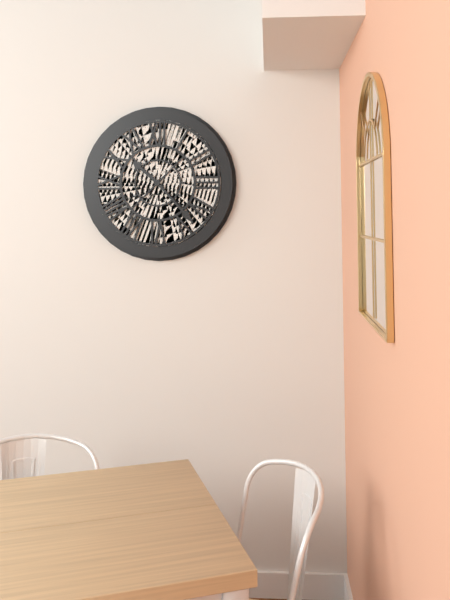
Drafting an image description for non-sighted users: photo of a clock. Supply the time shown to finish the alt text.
10:23
